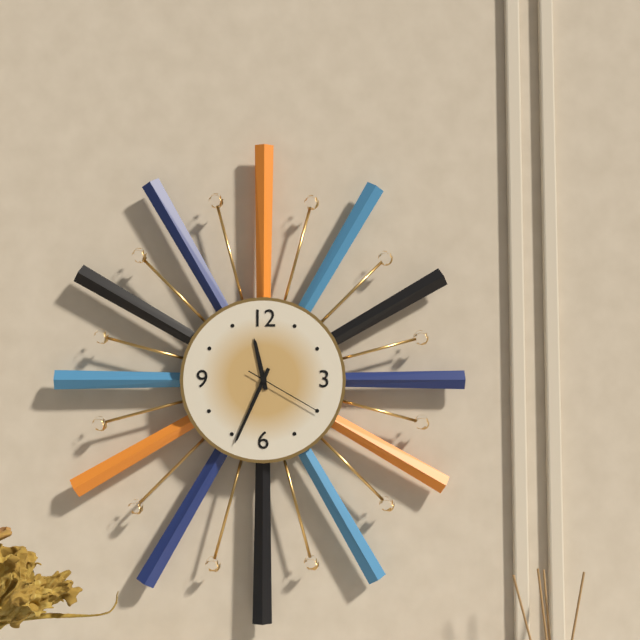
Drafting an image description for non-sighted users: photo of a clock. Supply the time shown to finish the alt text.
11:34:20
